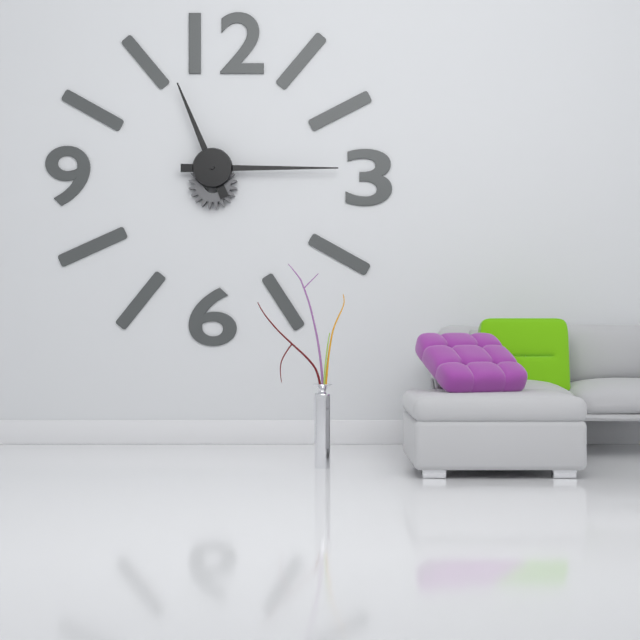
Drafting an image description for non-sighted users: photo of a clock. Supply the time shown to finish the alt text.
11:15
